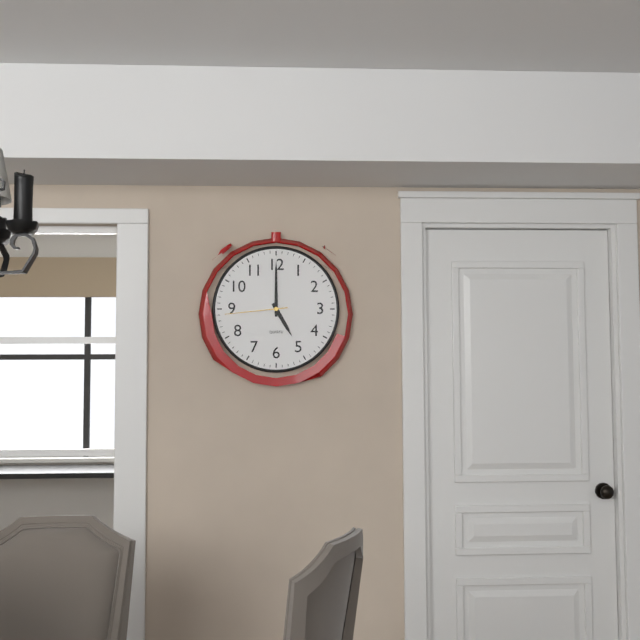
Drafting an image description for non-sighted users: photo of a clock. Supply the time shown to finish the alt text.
5:00:44
